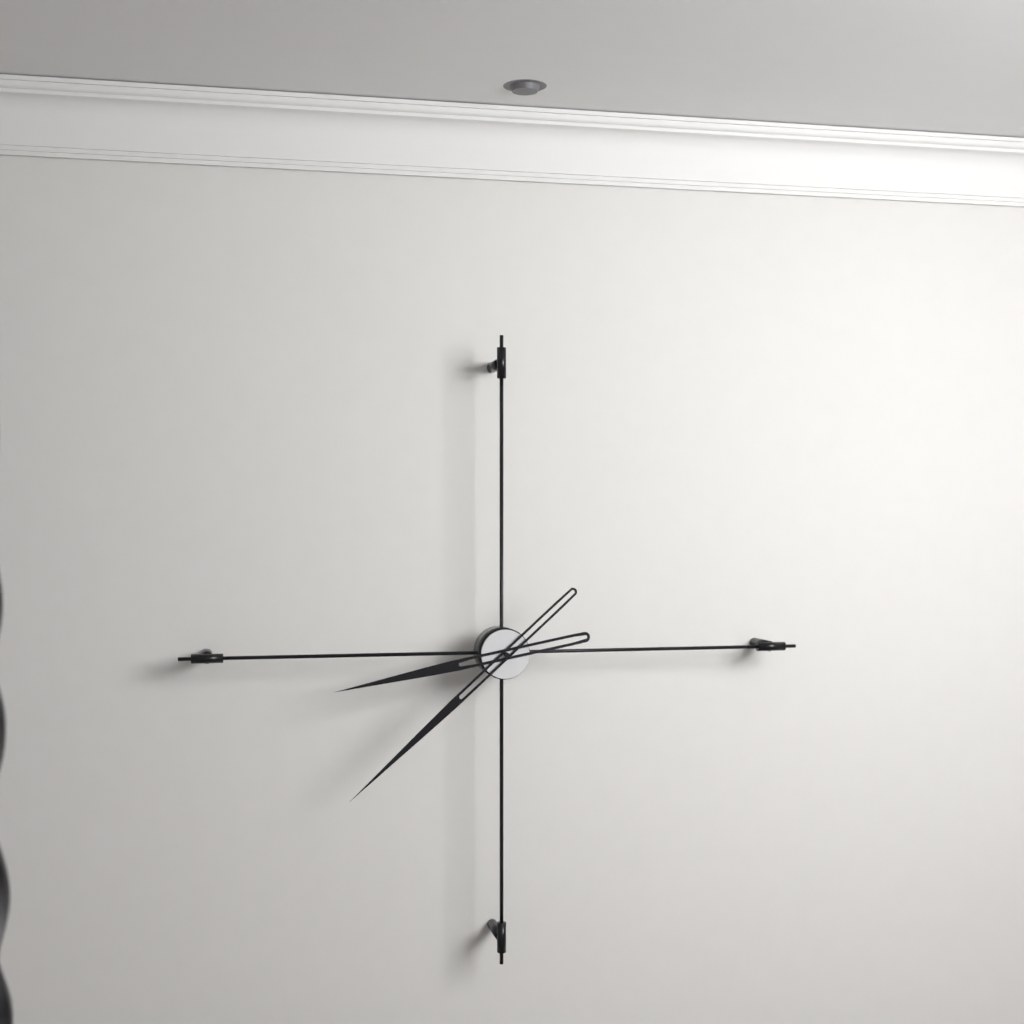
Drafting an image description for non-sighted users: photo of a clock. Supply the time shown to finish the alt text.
8:38
